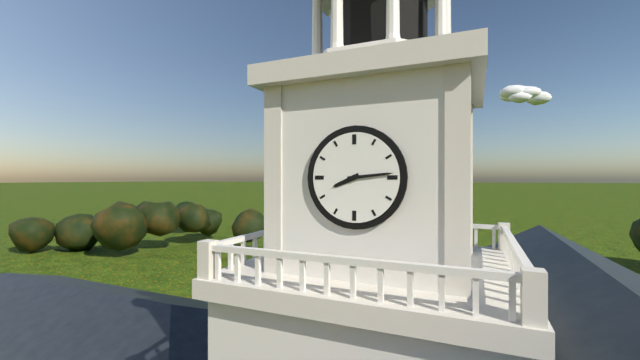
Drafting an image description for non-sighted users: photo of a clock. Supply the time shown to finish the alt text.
8:14
